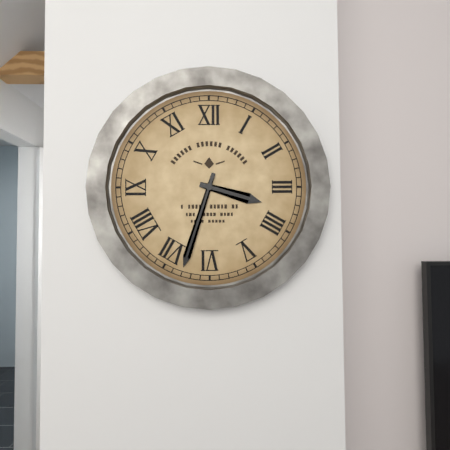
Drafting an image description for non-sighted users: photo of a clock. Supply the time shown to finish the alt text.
3:33
